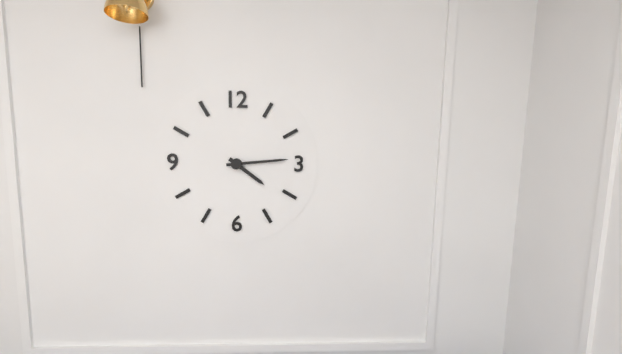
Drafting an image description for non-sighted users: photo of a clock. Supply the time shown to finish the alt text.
4:14
